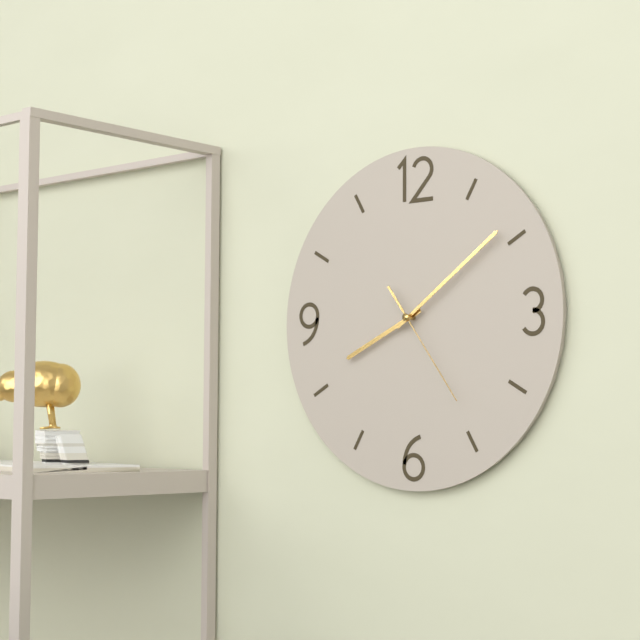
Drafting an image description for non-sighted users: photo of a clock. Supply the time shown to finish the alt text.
8:09:24
